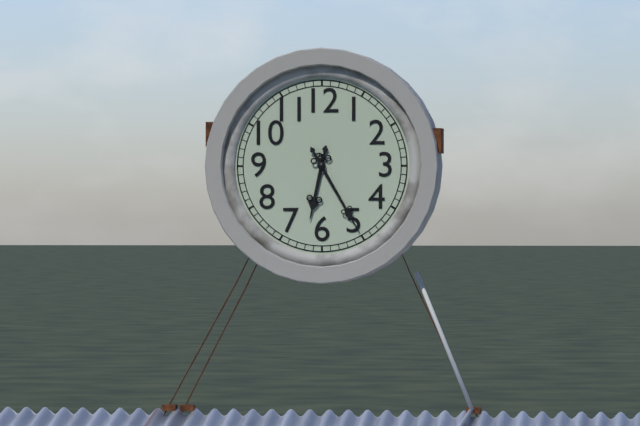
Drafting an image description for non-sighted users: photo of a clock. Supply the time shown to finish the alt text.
6:25
